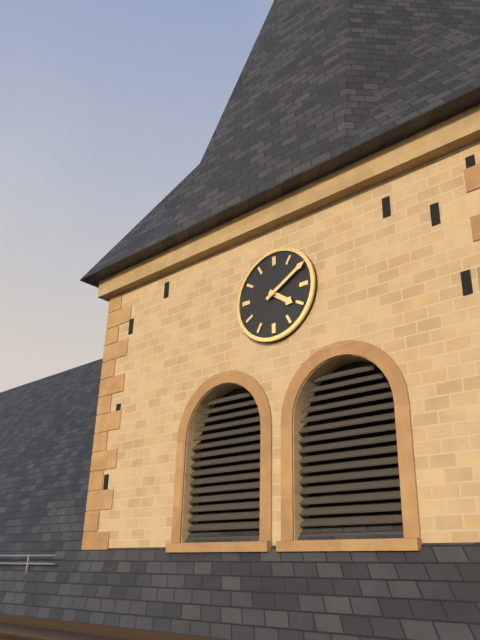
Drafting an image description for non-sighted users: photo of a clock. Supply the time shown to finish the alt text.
4:10
